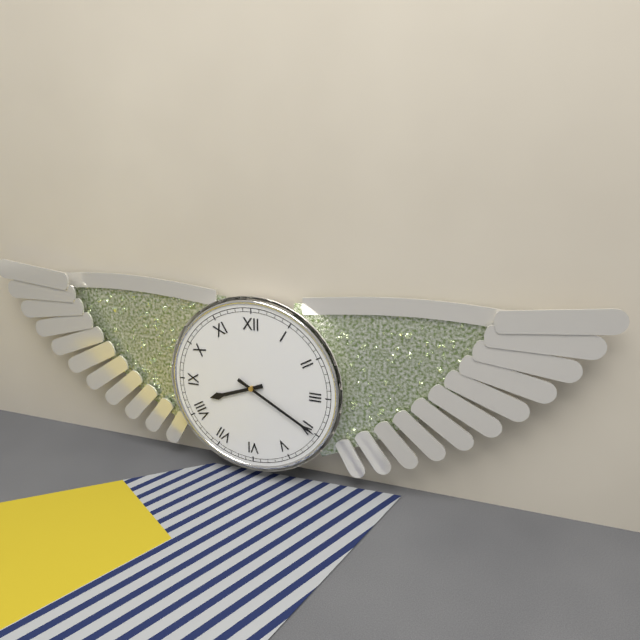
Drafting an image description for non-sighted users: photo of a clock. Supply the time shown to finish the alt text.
8:20
